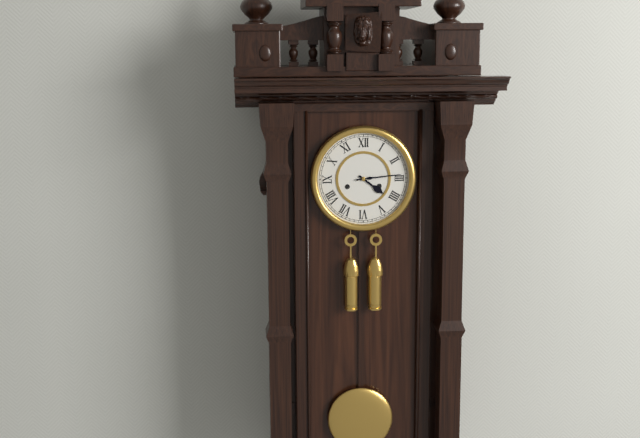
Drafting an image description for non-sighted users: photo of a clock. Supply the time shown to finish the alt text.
4:14
